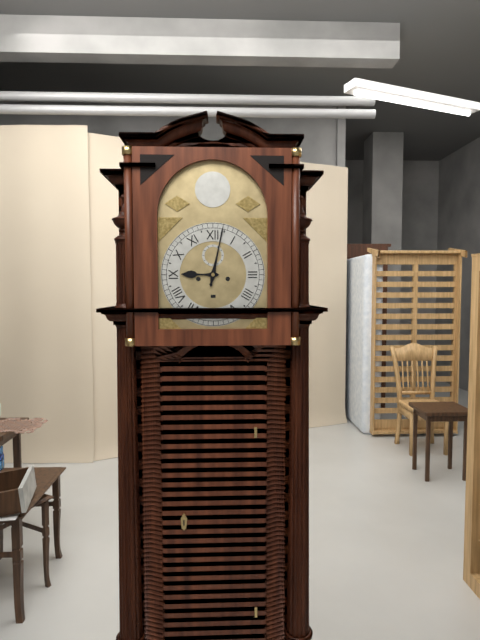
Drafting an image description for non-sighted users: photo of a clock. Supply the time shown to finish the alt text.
9:02
